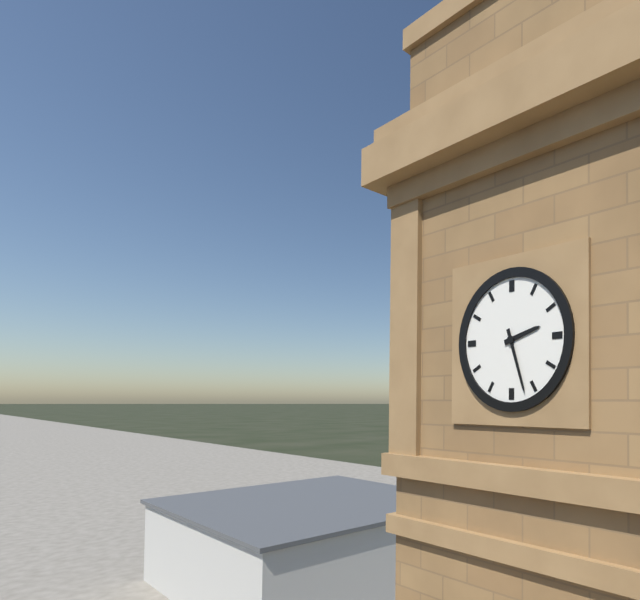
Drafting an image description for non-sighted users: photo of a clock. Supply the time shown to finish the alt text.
2:27
